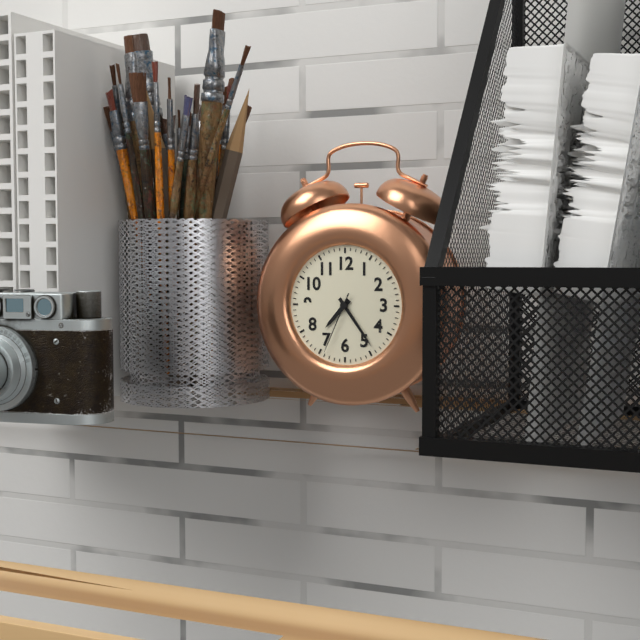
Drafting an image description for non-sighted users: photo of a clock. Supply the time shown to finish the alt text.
7:24:34
